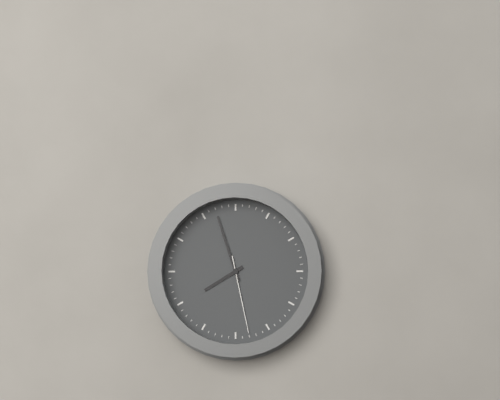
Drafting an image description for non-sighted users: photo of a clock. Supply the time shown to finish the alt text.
7:57:28
